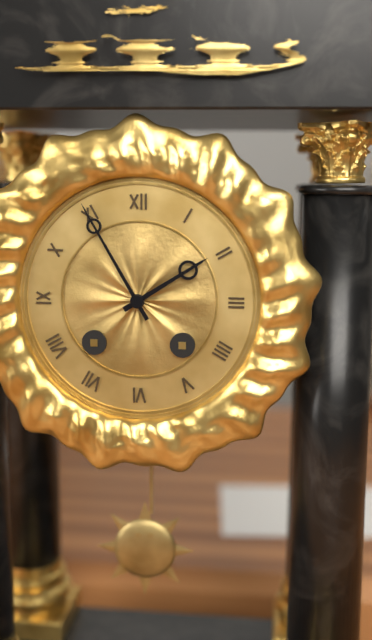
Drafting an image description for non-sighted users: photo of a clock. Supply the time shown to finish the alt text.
1:55
